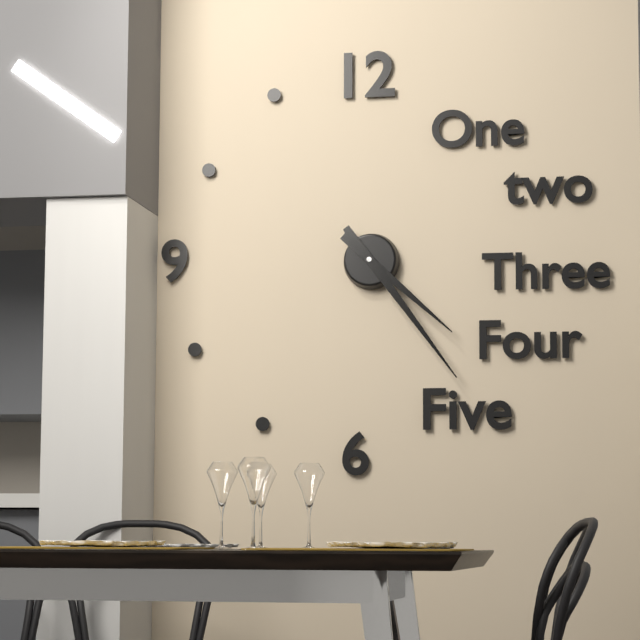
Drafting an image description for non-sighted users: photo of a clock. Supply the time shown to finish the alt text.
4:24
